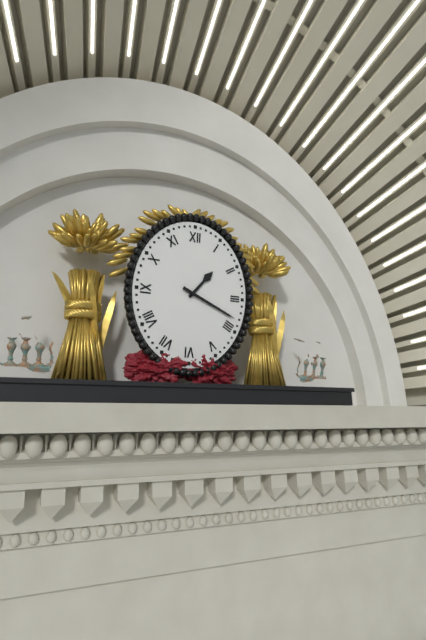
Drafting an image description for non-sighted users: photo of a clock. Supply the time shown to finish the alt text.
1:19
